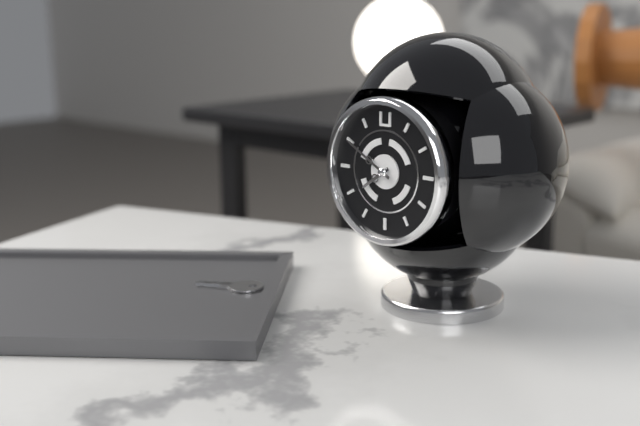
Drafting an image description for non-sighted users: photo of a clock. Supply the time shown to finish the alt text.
7:50
